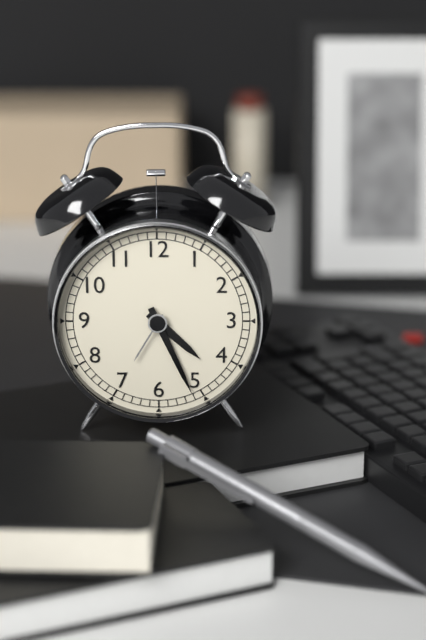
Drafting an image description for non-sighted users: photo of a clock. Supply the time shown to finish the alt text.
4:26
